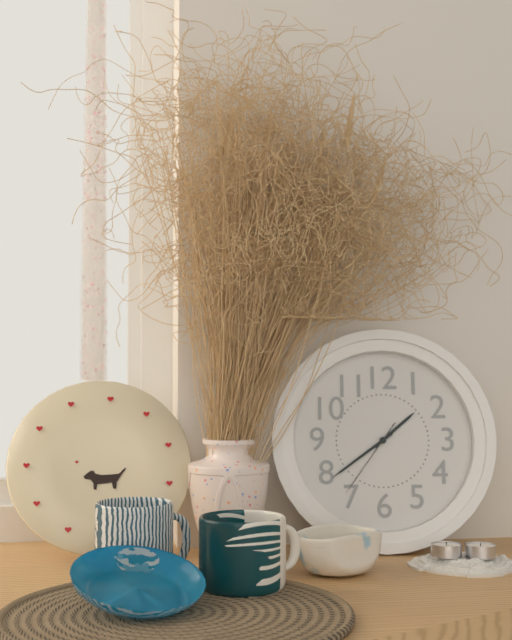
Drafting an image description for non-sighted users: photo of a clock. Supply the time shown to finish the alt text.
1:39:36
